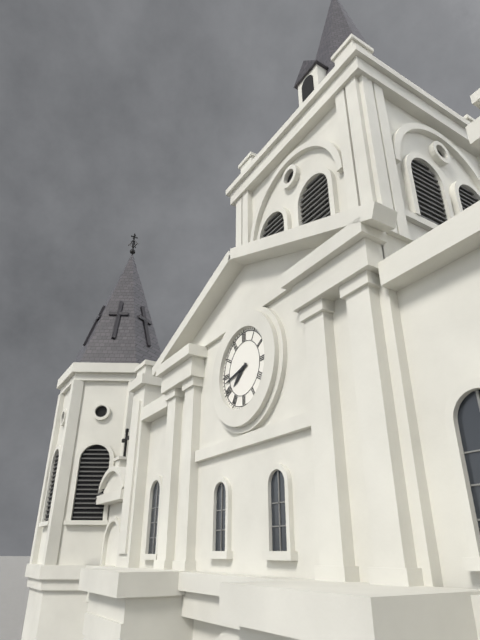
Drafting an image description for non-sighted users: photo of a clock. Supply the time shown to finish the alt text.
7:43
